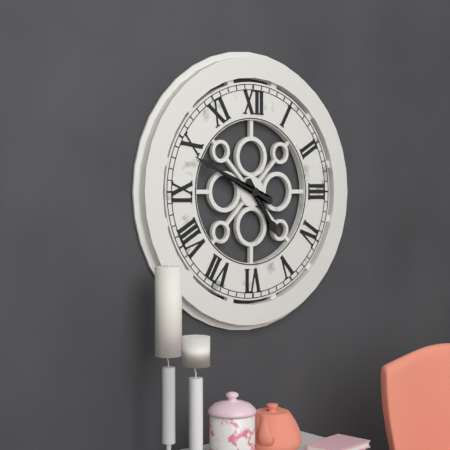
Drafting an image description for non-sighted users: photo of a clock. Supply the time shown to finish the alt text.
4:49
